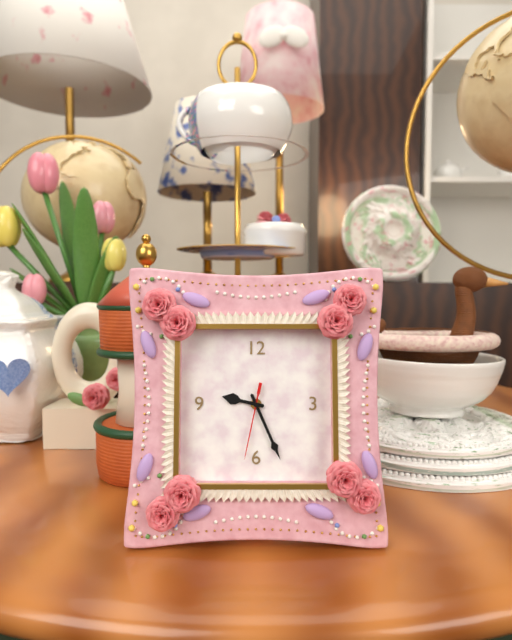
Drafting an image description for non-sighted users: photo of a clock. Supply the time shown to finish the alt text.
9:26:32
